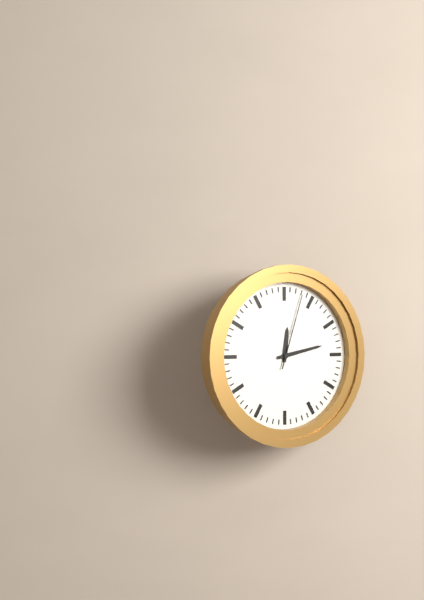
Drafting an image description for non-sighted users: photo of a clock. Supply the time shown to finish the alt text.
12:13:03
